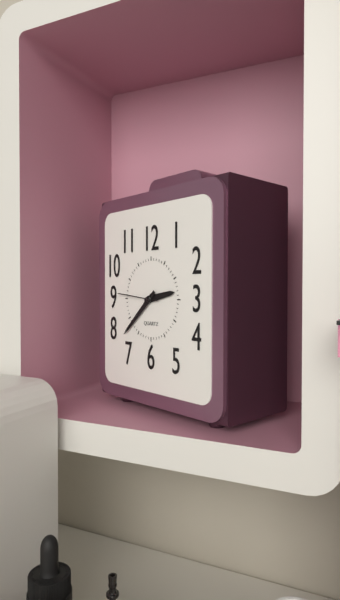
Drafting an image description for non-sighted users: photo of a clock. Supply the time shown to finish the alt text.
2:38
